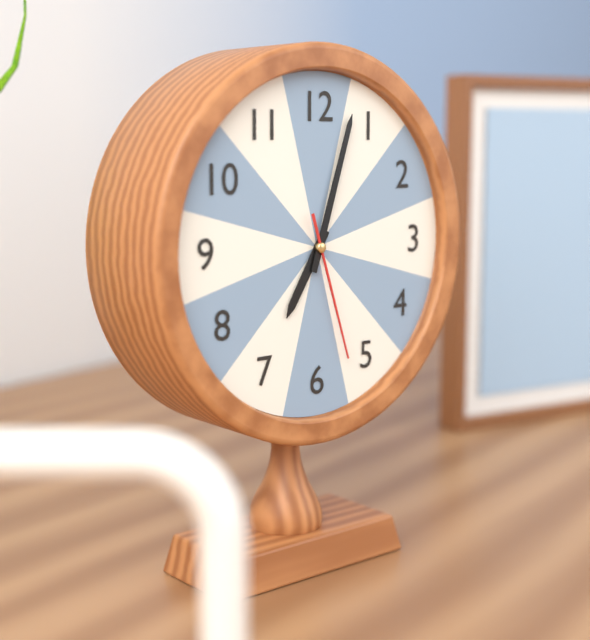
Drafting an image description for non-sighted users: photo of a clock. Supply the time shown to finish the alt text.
7:03:27
